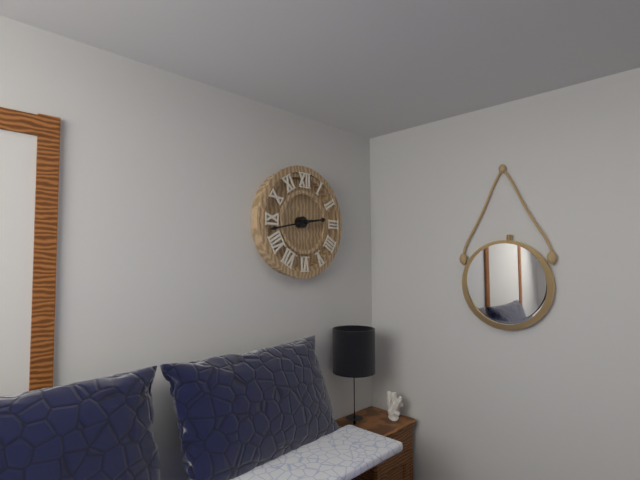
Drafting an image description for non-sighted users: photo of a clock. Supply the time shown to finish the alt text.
2:43
